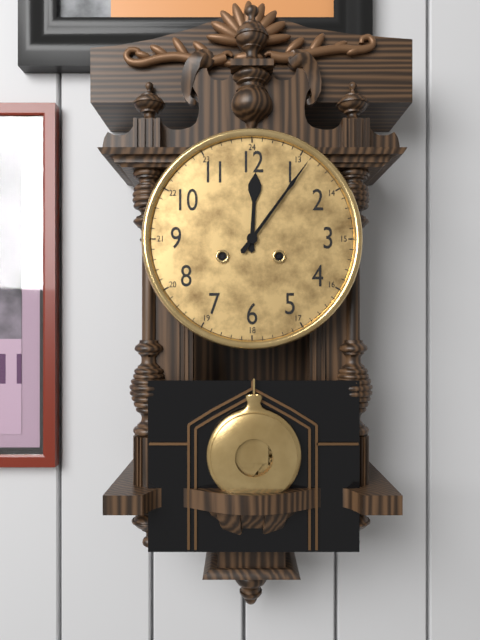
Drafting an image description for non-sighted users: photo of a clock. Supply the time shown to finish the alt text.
12:06
